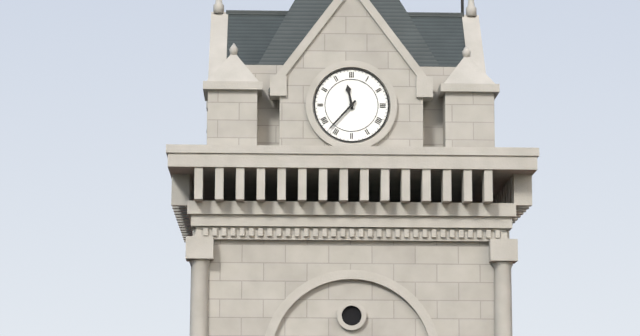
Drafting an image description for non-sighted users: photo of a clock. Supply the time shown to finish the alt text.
11:37
